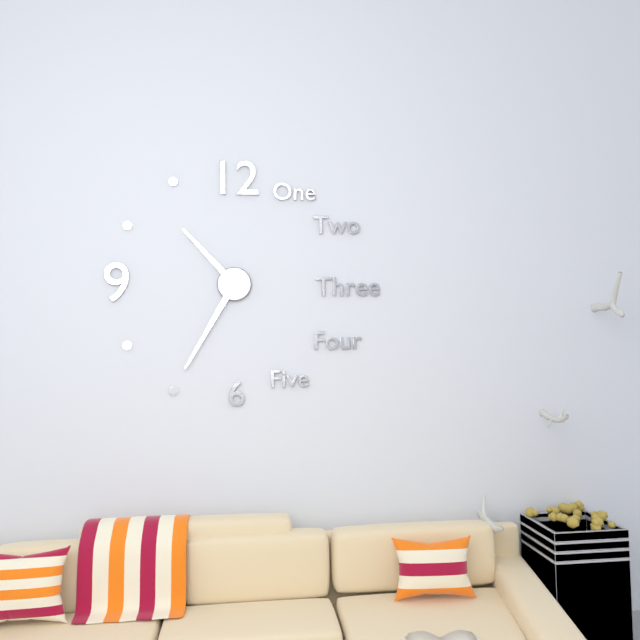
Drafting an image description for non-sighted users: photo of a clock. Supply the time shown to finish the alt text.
10:35
